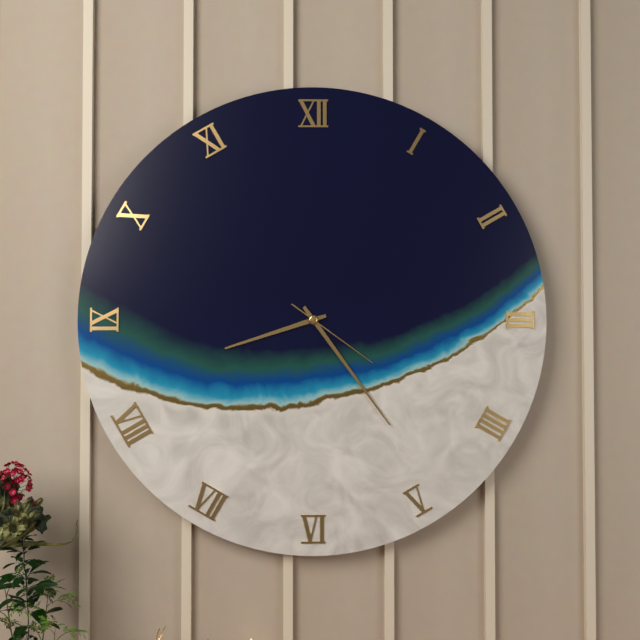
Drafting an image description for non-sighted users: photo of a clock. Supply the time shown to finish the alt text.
8:24:21
